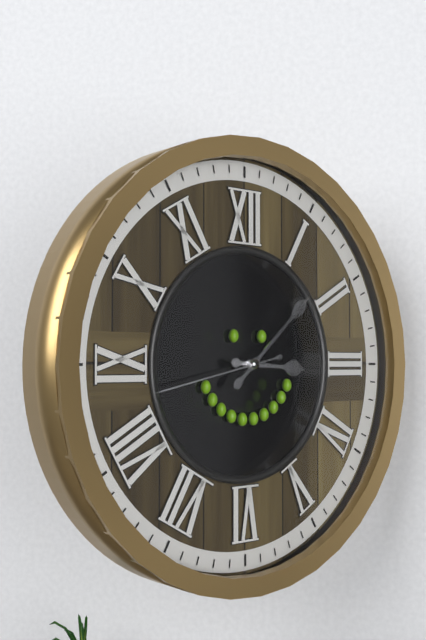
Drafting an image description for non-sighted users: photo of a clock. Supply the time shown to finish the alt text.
3:08:43
